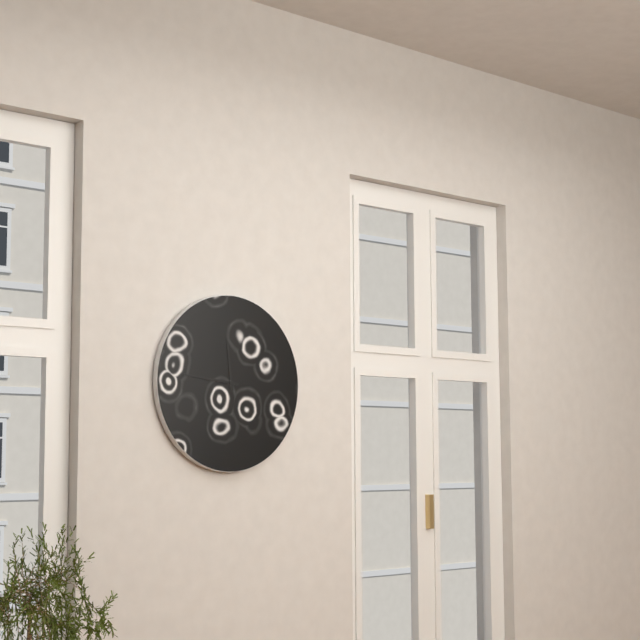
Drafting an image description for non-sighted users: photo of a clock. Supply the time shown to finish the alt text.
11:46
